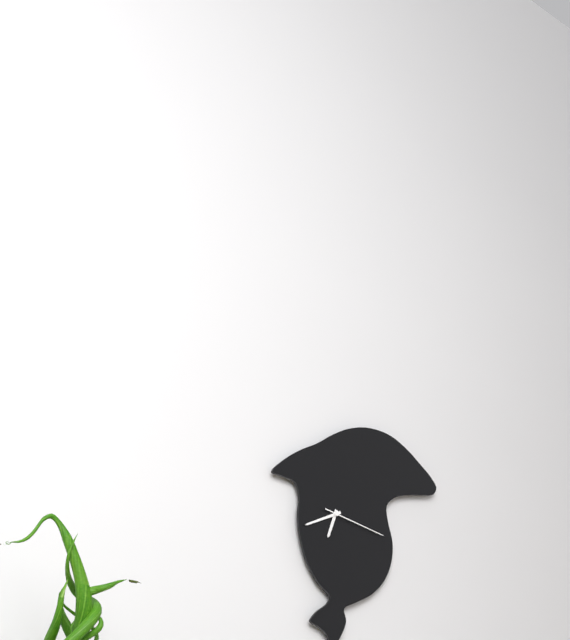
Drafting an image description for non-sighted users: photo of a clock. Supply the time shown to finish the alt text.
6:41:17
